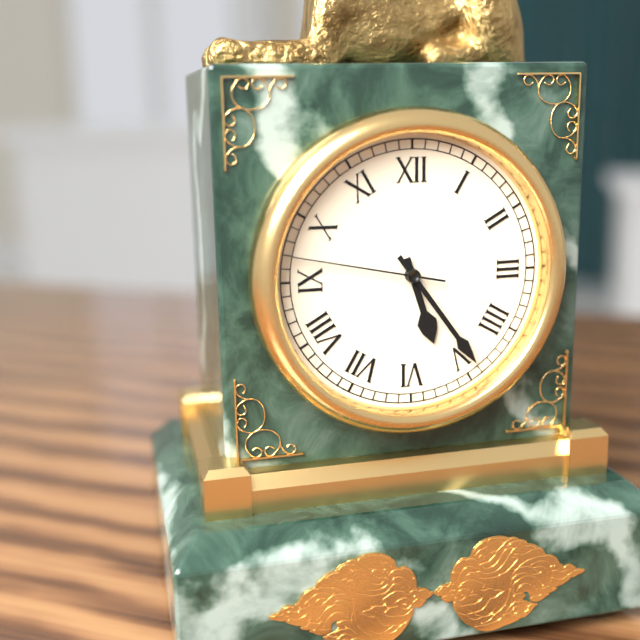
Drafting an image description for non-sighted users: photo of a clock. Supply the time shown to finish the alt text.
5:24:47
